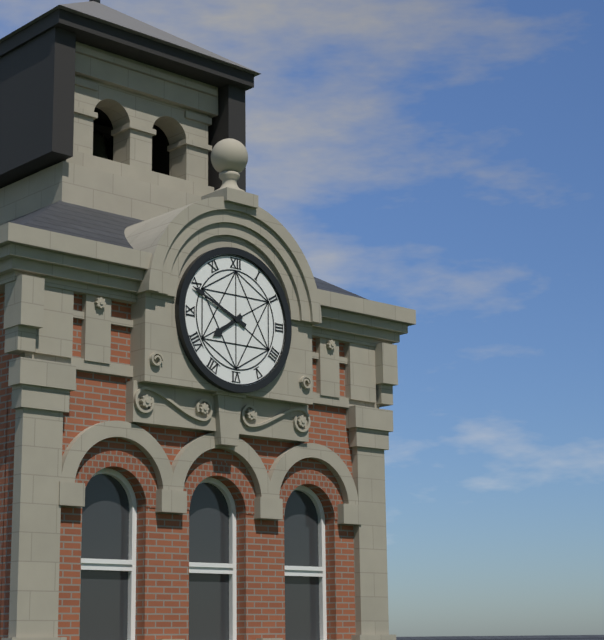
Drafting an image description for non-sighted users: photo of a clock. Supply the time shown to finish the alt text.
7:49
